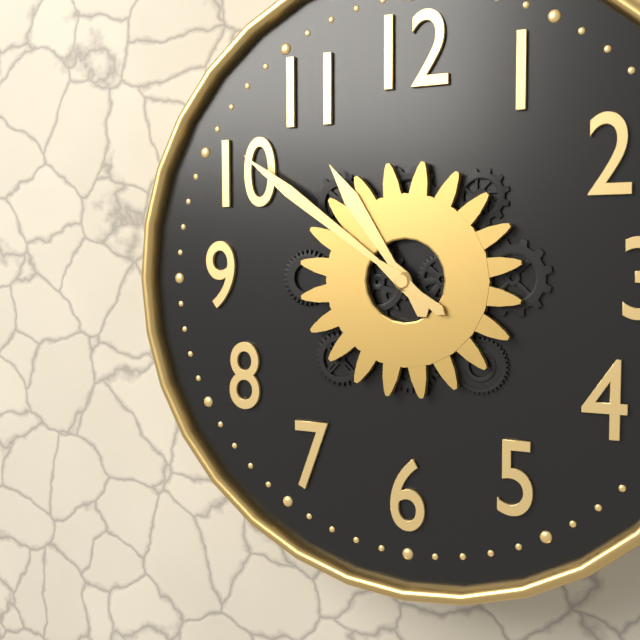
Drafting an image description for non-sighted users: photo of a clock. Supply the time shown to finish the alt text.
10:51
